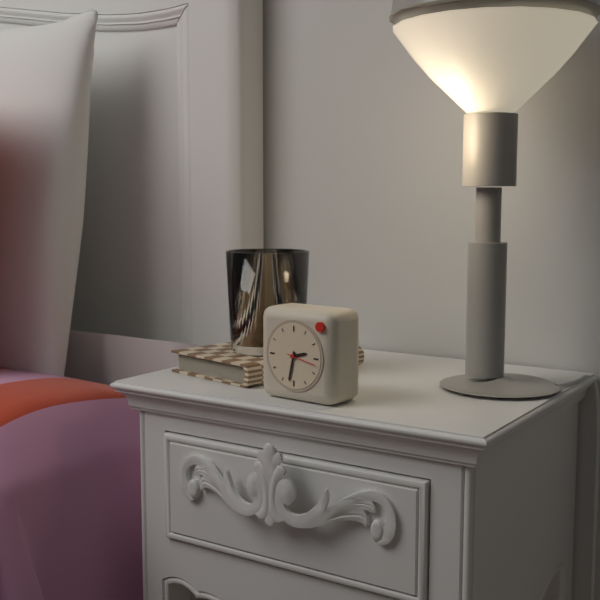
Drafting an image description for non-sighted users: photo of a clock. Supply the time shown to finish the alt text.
2:32
